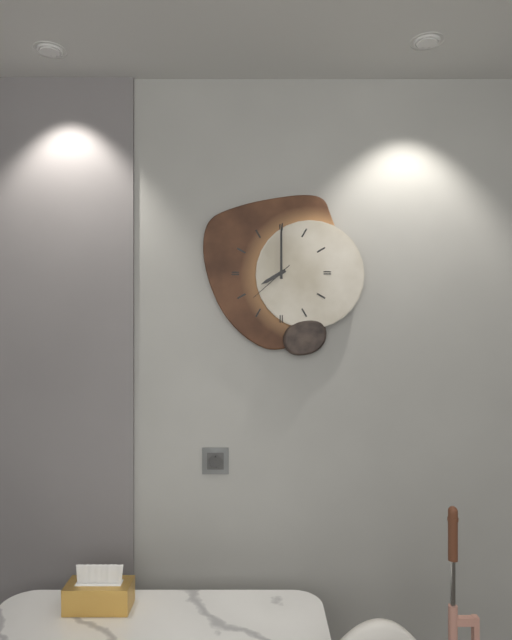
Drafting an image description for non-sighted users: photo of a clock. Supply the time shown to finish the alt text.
8:00
